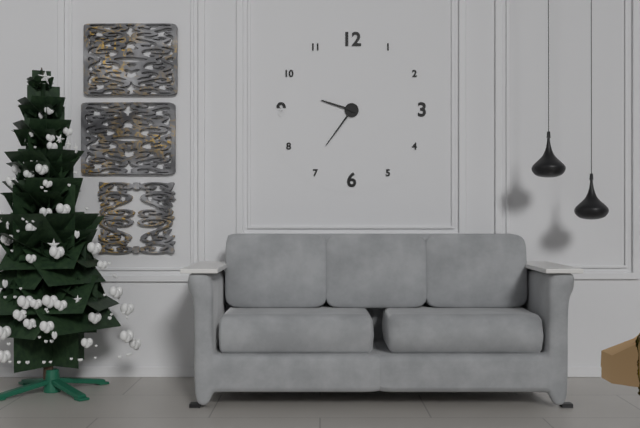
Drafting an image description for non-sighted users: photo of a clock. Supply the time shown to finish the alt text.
9:36
